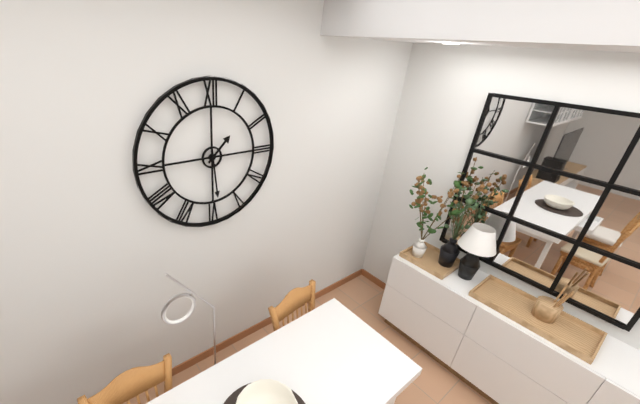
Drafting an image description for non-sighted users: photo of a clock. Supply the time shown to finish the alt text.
1:29
